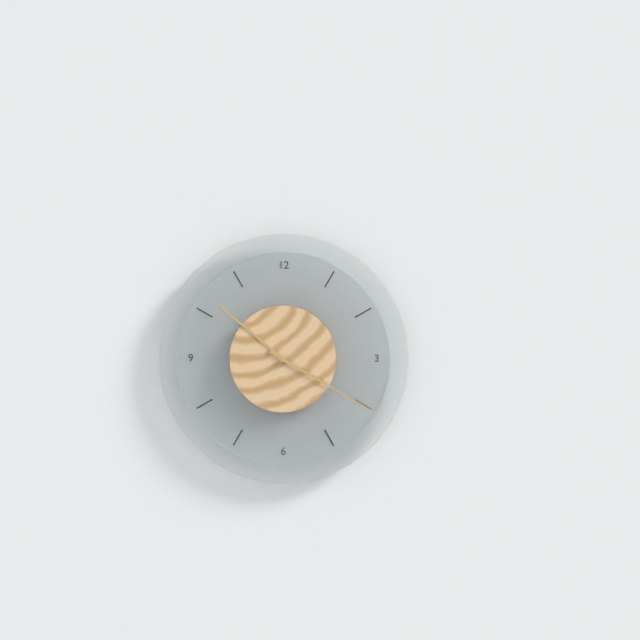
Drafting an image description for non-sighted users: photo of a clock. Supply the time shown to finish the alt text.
10:20
